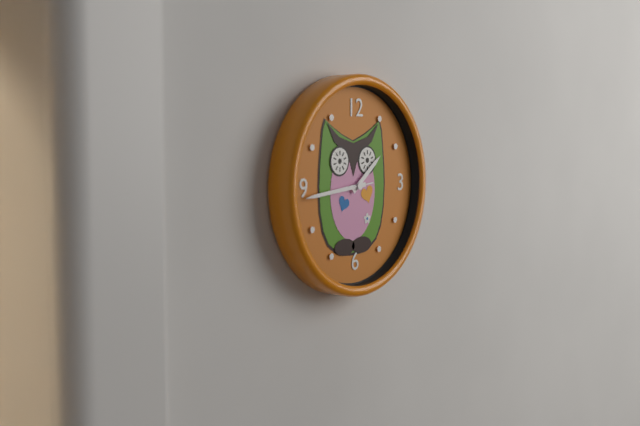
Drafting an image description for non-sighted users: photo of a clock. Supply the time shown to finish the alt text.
1:44
